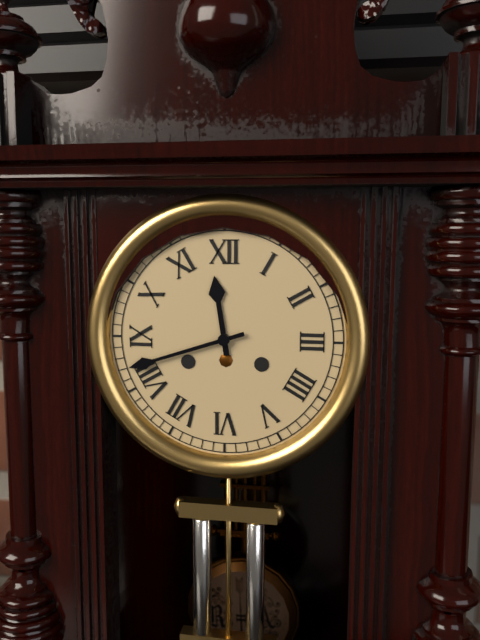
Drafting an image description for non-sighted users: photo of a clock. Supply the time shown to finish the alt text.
11:42
